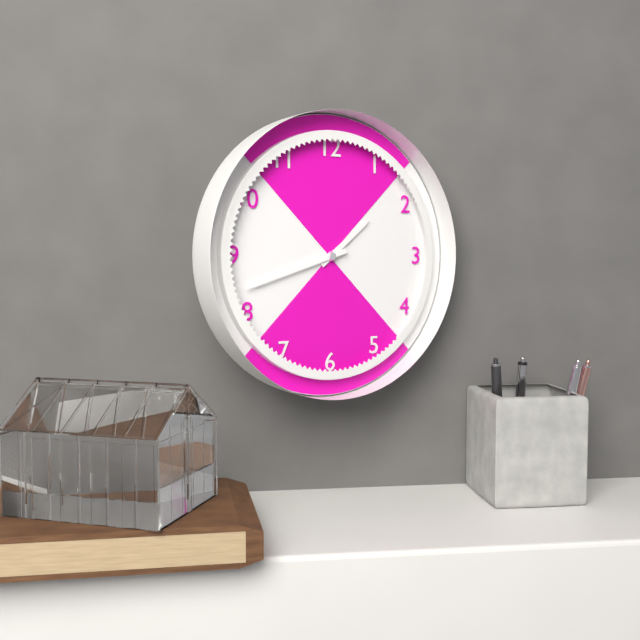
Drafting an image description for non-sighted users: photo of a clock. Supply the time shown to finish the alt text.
1:42
